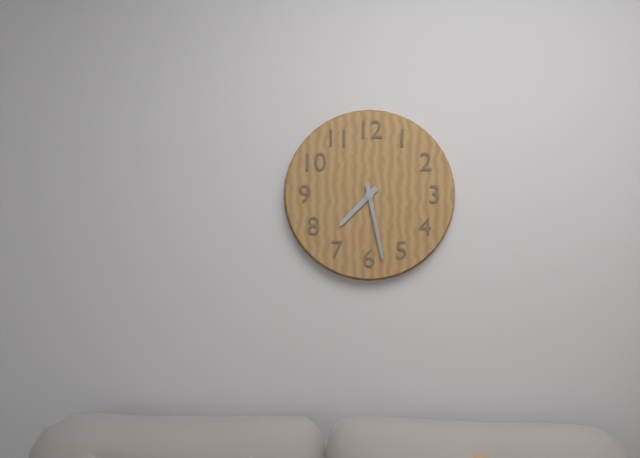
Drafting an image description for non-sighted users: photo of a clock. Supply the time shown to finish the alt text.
7:28
